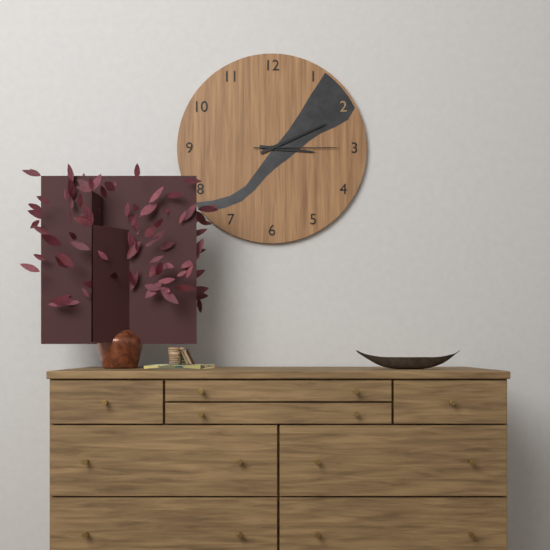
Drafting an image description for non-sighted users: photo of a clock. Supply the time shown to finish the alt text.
3:11:15
